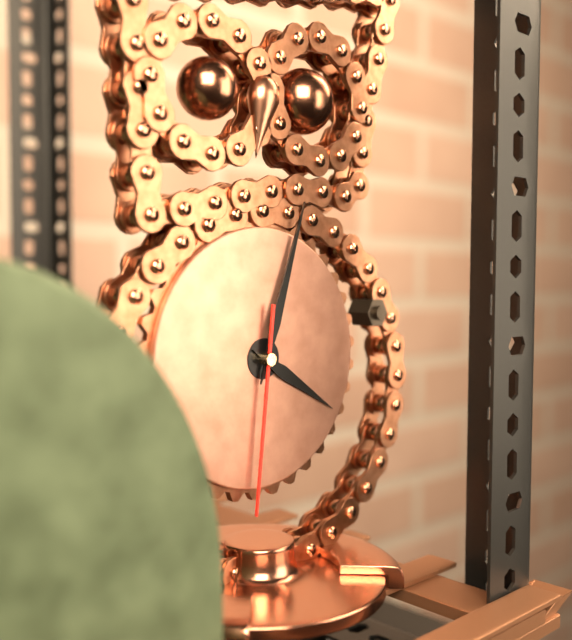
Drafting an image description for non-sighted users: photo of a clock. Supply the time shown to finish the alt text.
4:03:31
